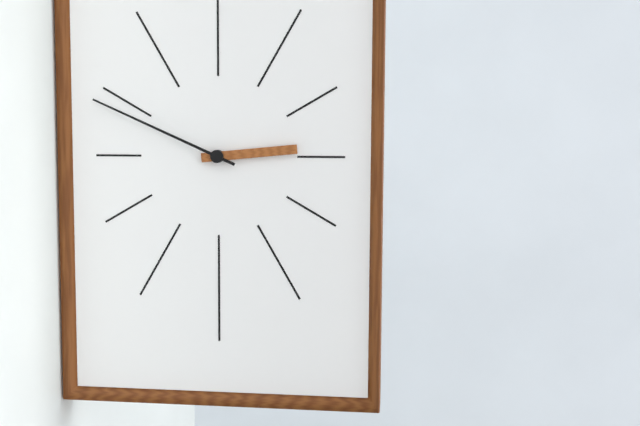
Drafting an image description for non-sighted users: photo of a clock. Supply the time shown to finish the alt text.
2:49
